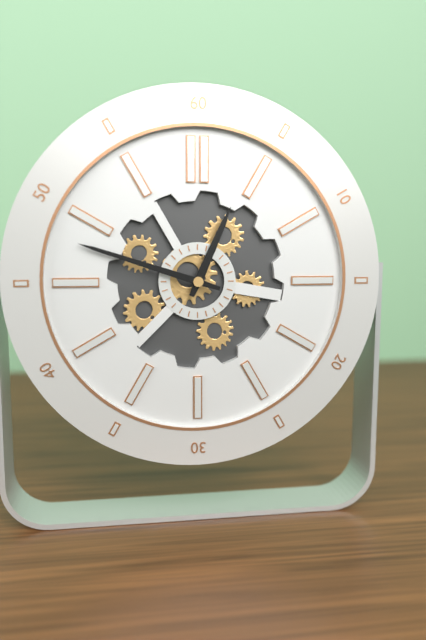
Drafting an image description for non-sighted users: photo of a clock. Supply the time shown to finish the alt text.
12:48
